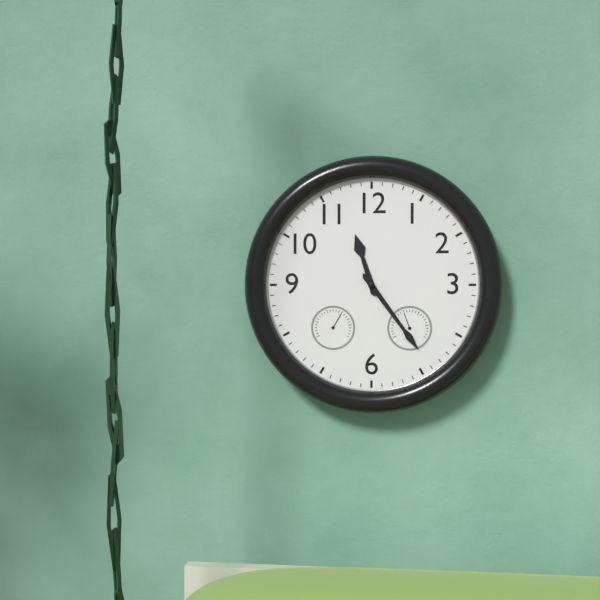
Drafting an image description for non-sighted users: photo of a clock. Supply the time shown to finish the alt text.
11:24
